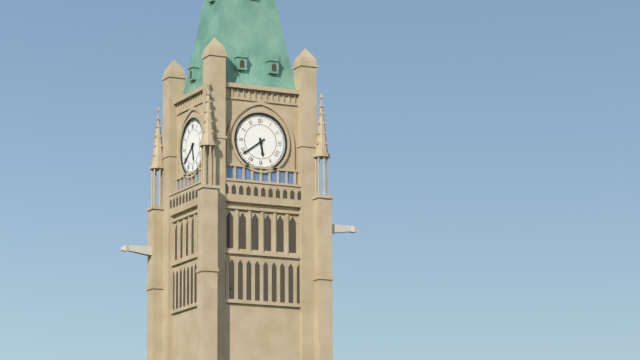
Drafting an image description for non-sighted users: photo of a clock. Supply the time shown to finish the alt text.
5:39
